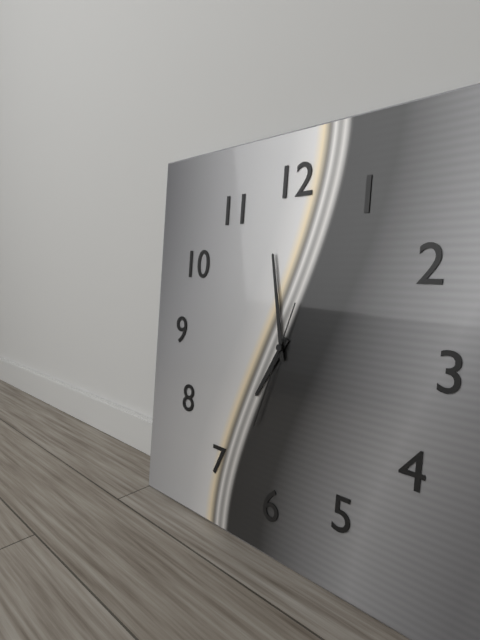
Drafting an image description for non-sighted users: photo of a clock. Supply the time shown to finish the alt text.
6:58:33
